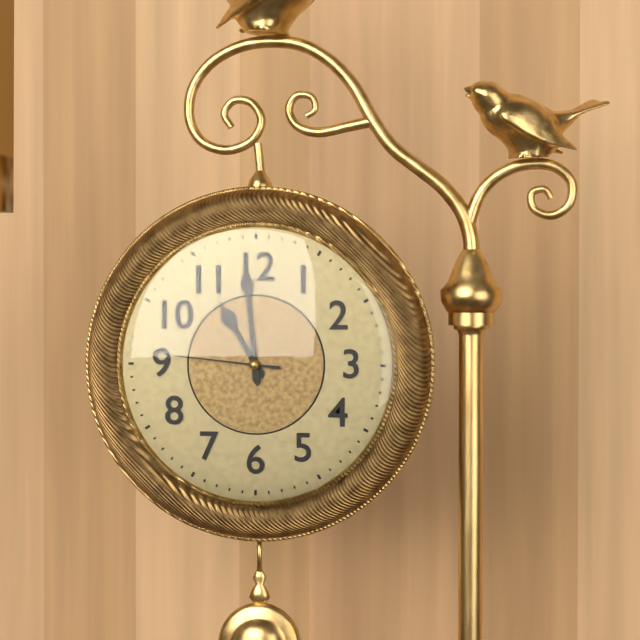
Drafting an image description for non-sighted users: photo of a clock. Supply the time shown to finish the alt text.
10:59:46
